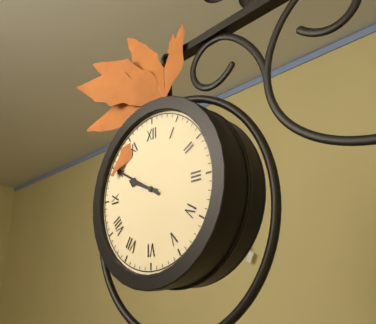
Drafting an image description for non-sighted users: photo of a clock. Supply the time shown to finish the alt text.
9:50
